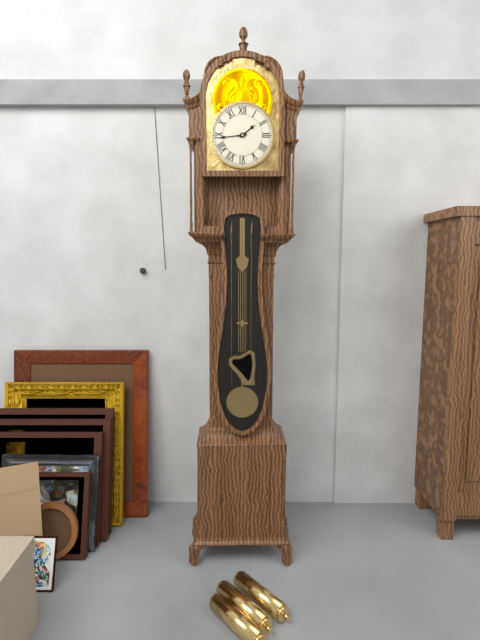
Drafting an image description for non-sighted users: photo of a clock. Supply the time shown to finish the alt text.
1:44
